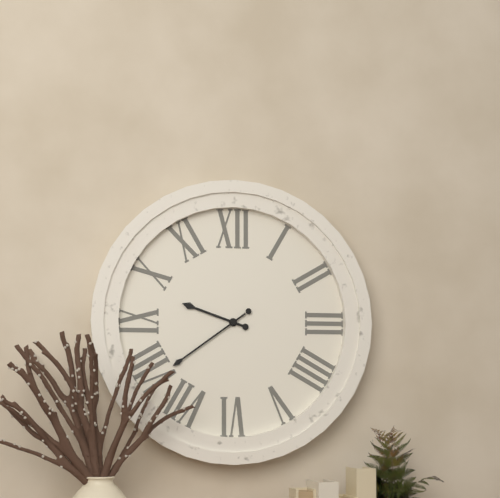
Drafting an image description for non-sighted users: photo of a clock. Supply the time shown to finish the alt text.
9:39
